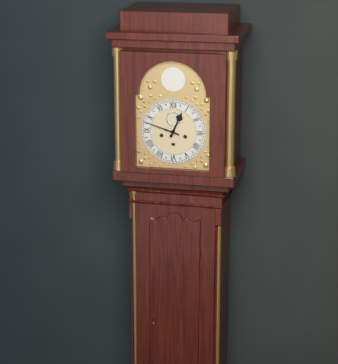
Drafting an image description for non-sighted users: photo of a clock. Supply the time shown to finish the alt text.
12:48
